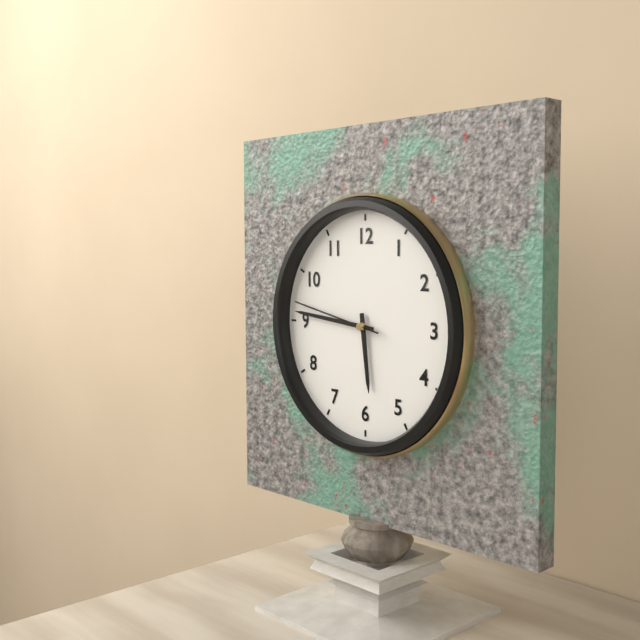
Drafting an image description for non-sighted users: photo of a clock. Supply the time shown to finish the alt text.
5:46:47
